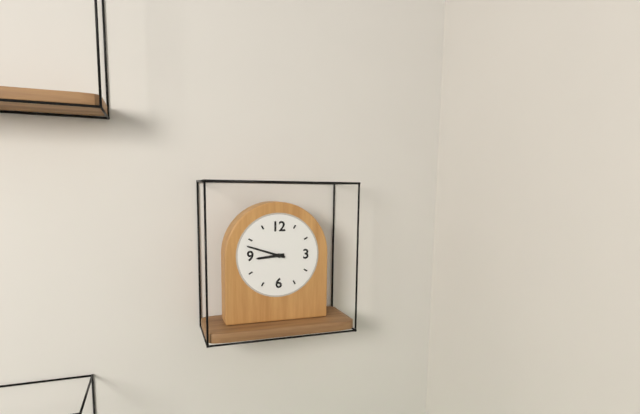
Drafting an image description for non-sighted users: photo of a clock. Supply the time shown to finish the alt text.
8:48
